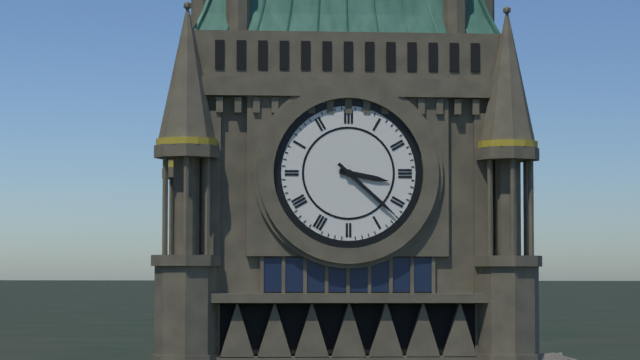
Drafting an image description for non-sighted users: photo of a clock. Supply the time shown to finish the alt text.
3:22
